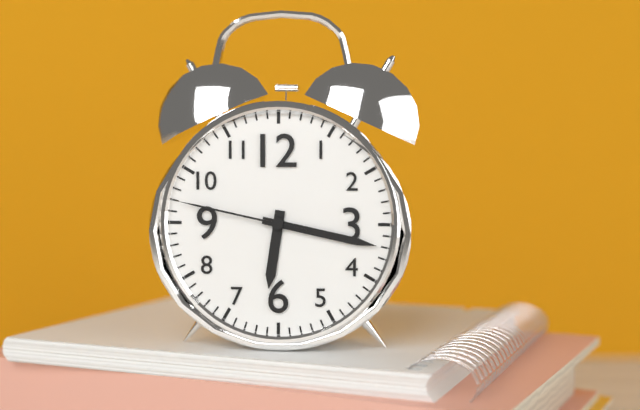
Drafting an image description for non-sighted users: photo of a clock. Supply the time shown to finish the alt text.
6:17:47
